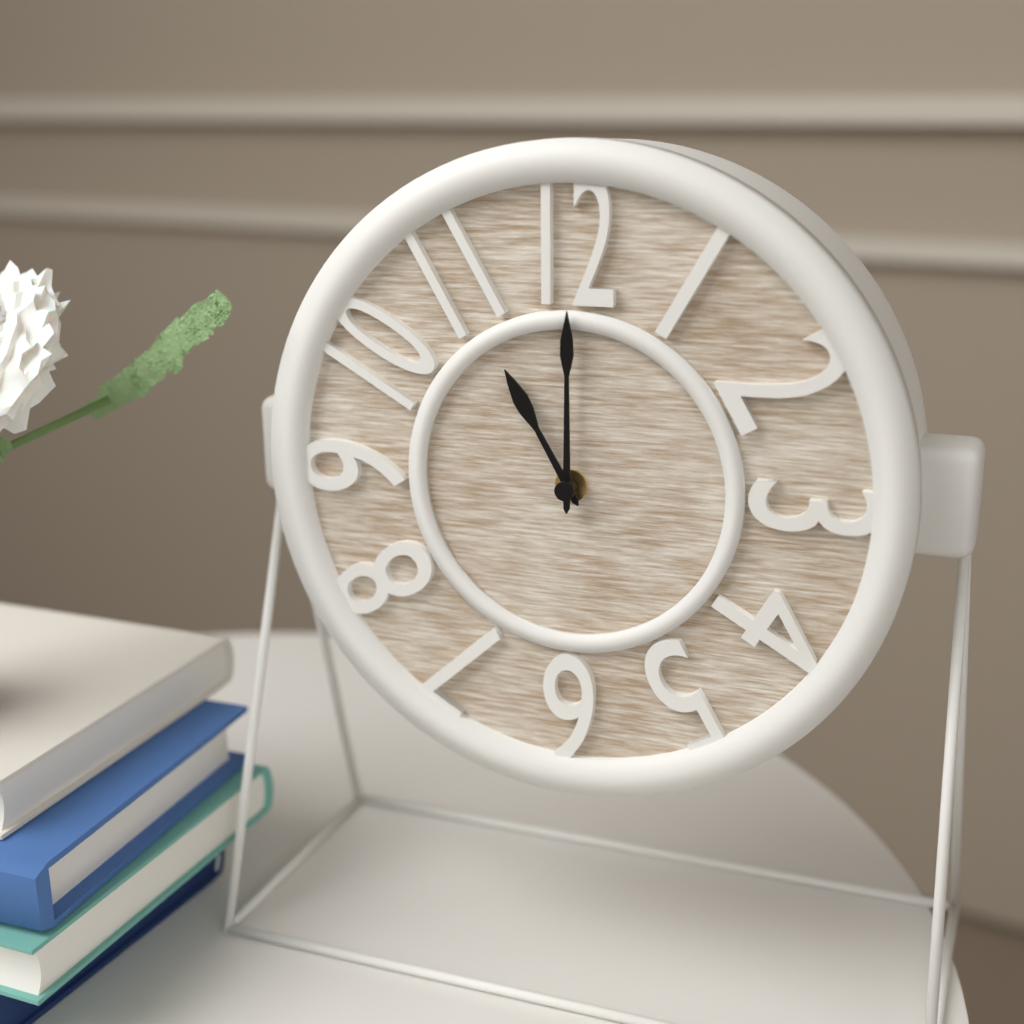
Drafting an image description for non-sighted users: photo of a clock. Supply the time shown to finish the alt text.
11:00
